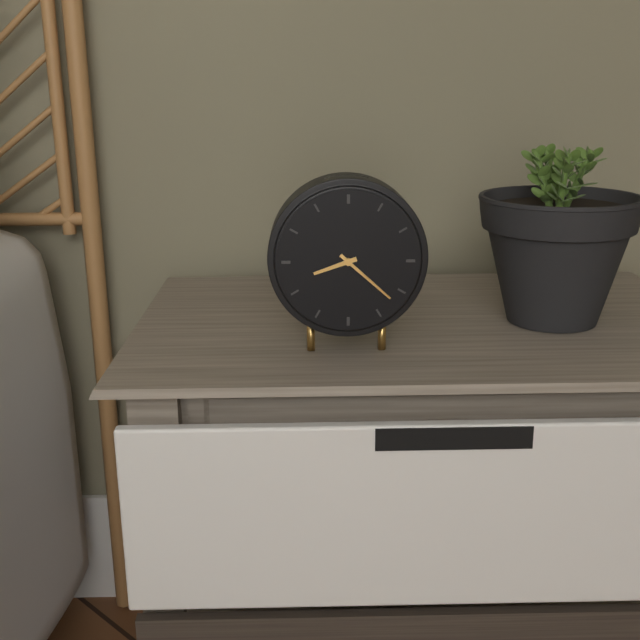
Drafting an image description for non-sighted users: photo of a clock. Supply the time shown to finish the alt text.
8:22
